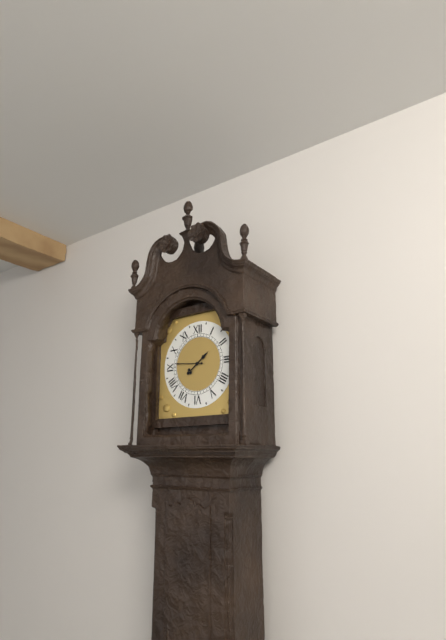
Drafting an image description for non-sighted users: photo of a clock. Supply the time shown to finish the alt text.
1:46
